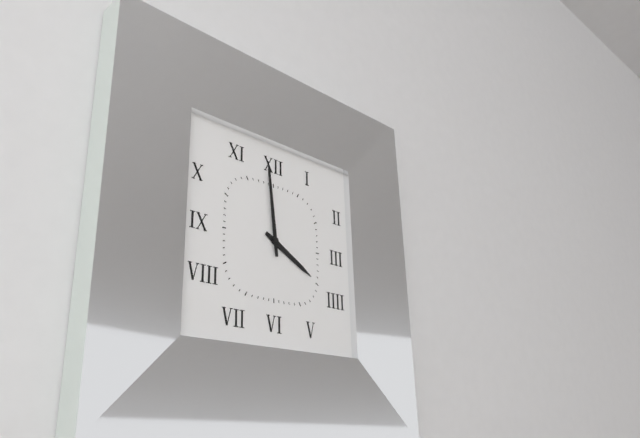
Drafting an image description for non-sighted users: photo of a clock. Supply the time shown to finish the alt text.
3:59
